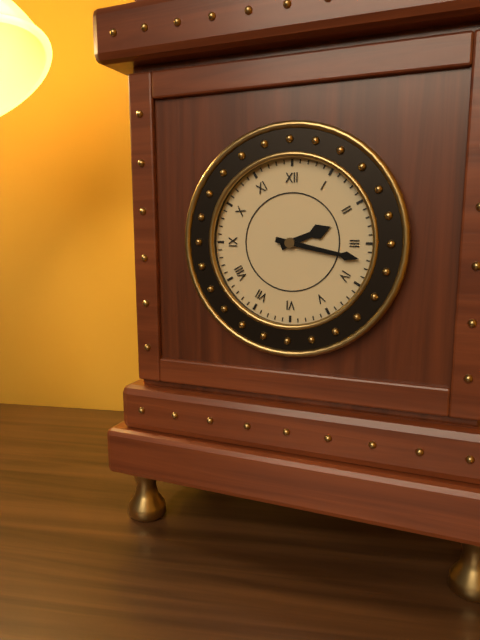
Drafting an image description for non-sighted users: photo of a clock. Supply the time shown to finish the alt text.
2:17
